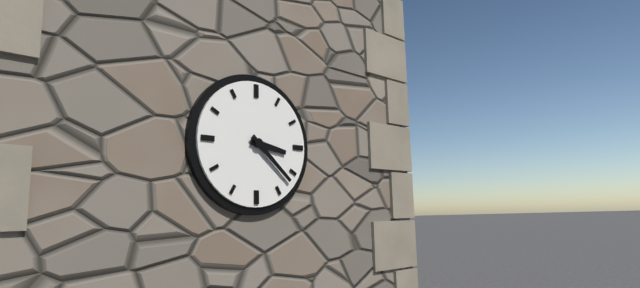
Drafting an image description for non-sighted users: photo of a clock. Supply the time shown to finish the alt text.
3:22
